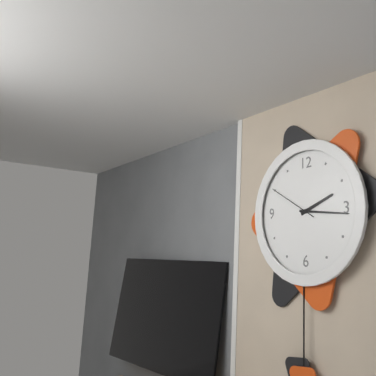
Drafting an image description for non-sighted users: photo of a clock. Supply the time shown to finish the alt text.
2:16
